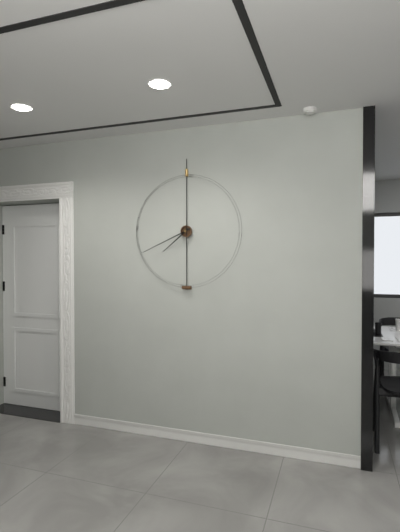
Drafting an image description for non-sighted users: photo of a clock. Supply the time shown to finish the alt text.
7:41
